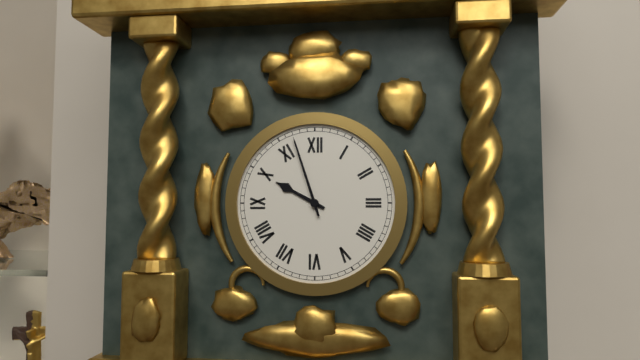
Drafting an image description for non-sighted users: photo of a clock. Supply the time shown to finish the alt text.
9:57
